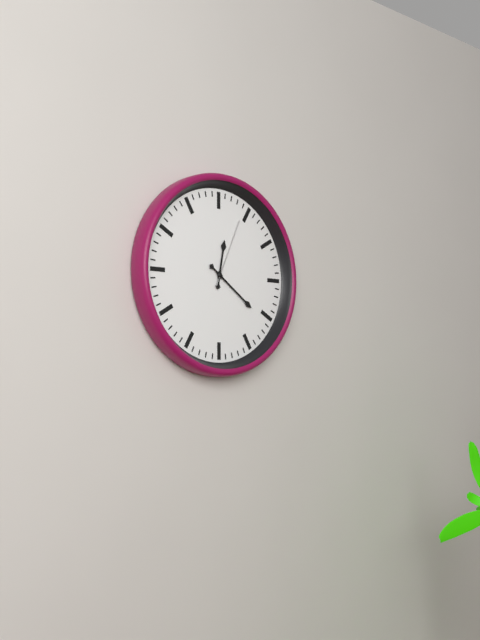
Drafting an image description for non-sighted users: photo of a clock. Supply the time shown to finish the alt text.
12:21:04
